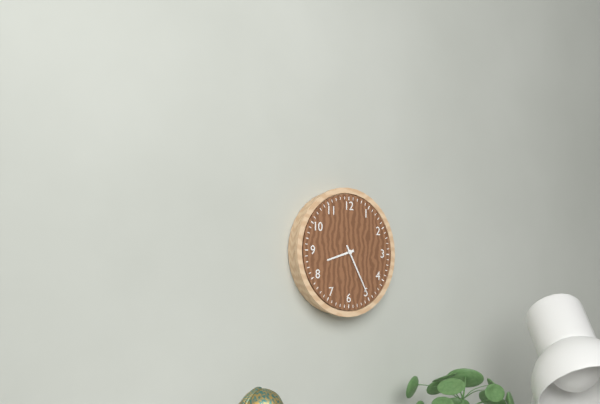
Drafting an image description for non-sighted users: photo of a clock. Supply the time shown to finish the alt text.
8:25
